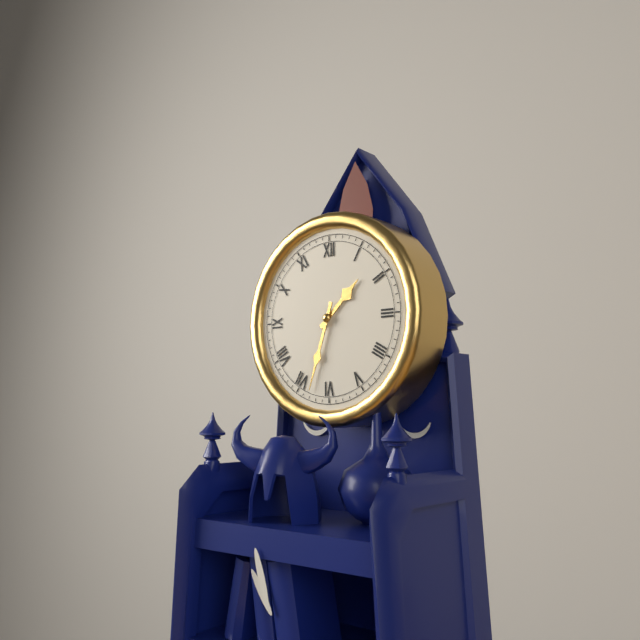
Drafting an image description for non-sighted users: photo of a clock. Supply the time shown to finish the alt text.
1:33
